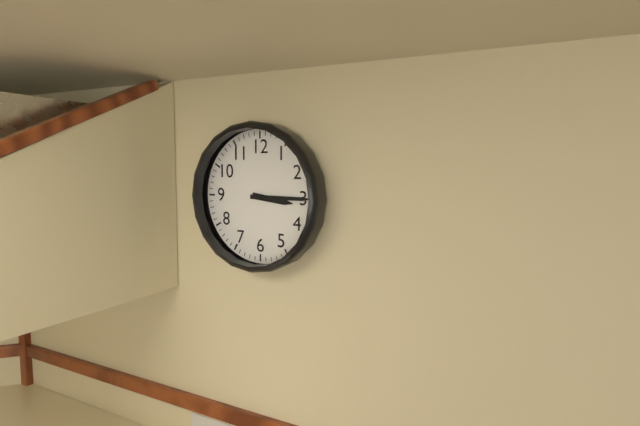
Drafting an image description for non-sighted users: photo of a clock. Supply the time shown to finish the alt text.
3:15
